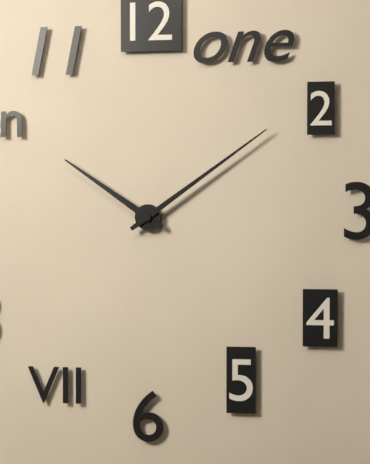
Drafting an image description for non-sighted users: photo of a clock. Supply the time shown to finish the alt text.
10:09
